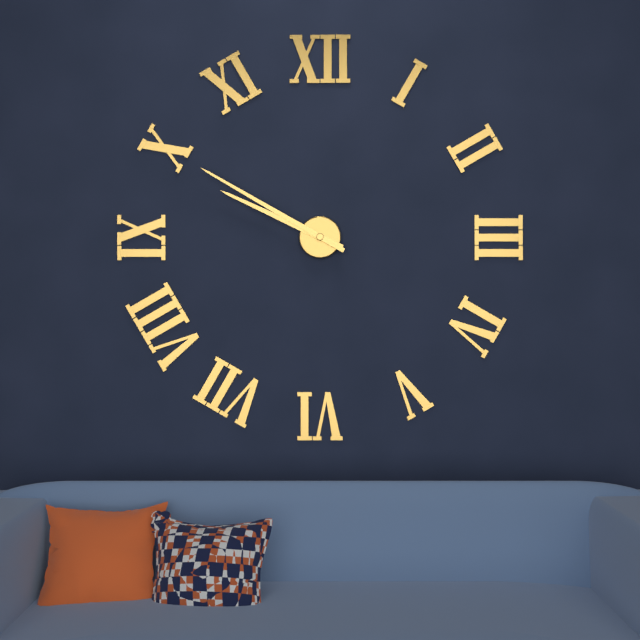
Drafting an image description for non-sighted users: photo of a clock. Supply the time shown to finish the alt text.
9:50
